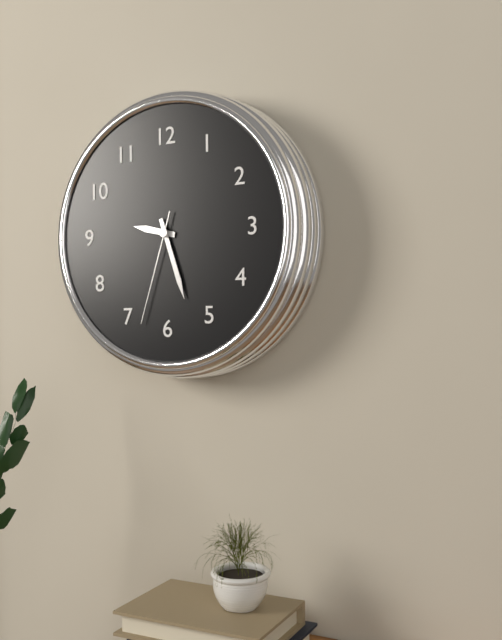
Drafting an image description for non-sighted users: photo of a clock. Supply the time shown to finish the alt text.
9:27:33
